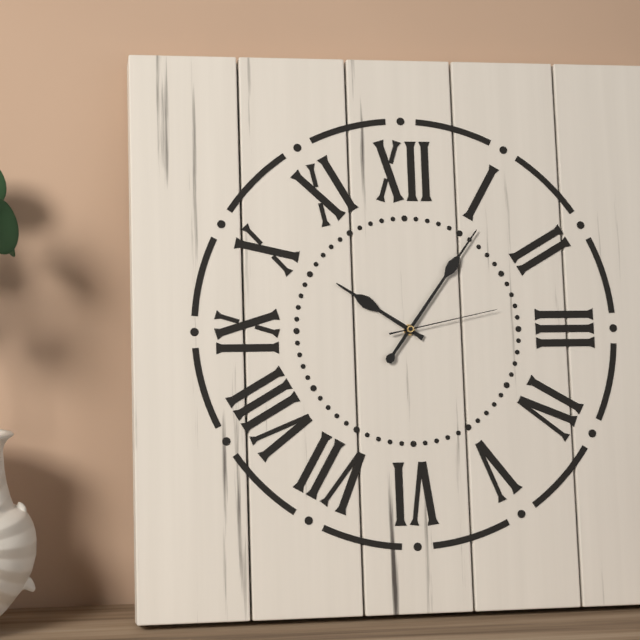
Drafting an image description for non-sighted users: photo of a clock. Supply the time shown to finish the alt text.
10:06:13
